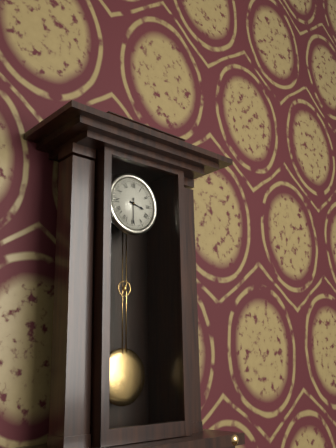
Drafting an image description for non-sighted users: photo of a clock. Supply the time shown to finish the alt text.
3:30
